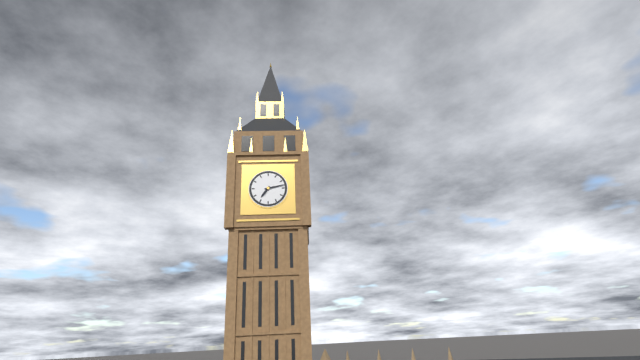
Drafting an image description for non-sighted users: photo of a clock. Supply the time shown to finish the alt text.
7:13
